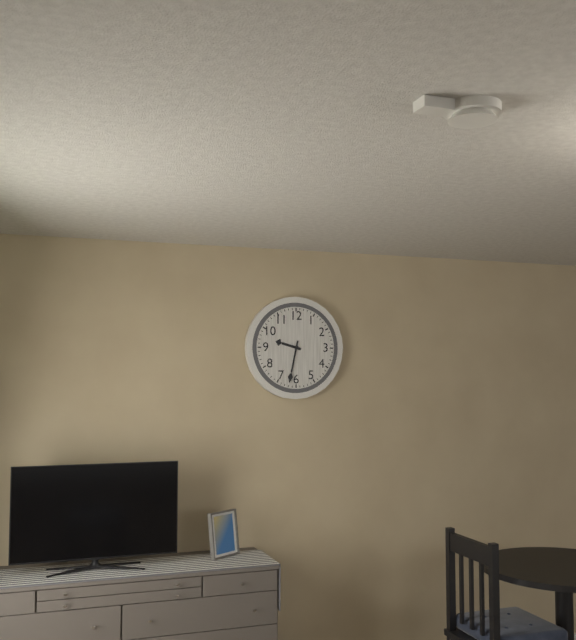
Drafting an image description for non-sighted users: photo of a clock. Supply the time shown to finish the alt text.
9:32
